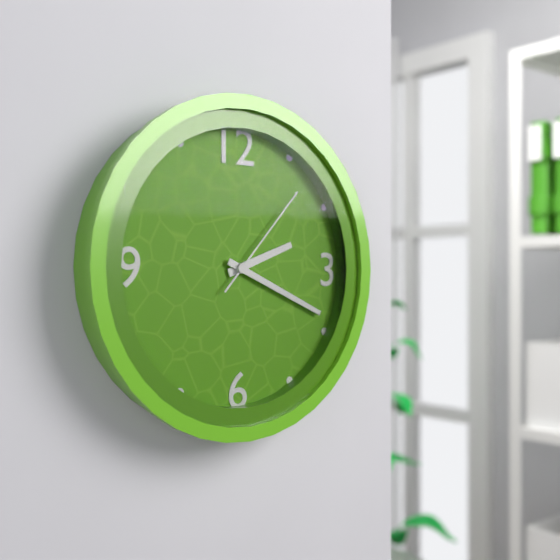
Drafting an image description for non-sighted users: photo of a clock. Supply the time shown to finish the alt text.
2:19:07
